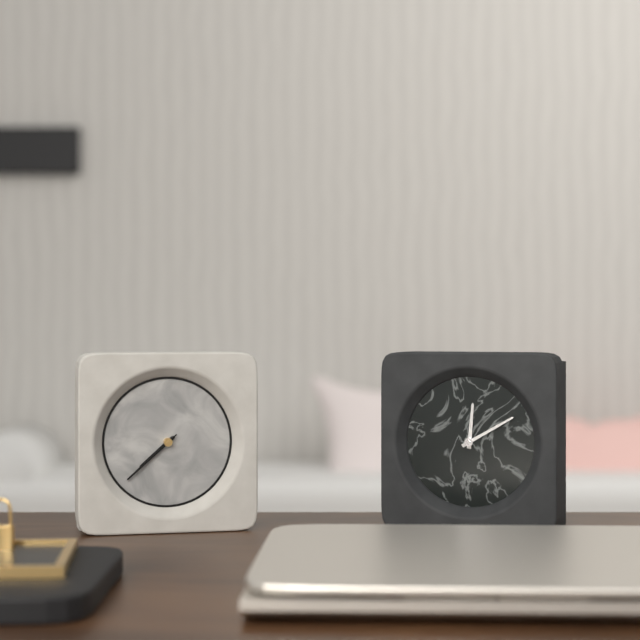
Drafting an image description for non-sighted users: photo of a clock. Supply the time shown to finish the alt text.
7:38:38
